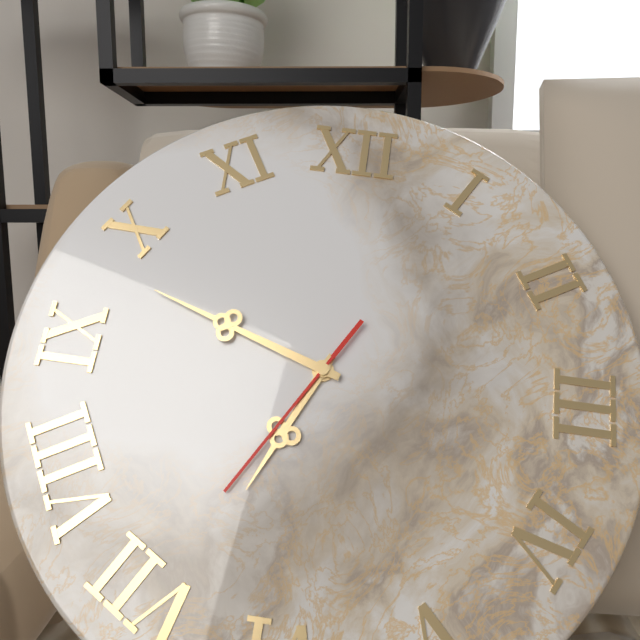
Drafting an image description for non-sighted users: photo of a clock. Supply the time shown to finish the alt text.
6:48:35
